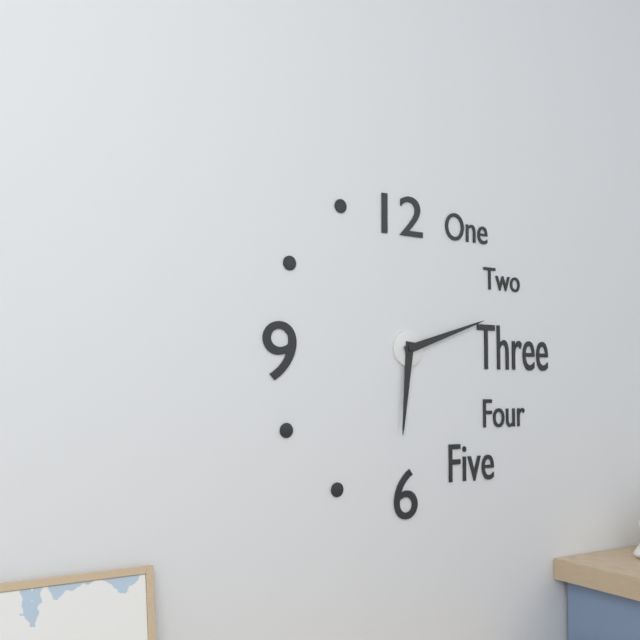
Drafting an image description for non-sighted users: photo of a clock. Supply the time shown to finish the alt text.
6:12
